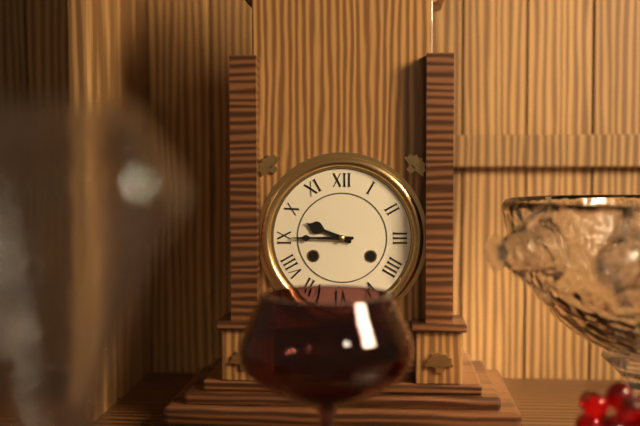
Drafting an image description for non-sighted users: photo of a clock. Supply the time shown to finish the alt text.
9:45
